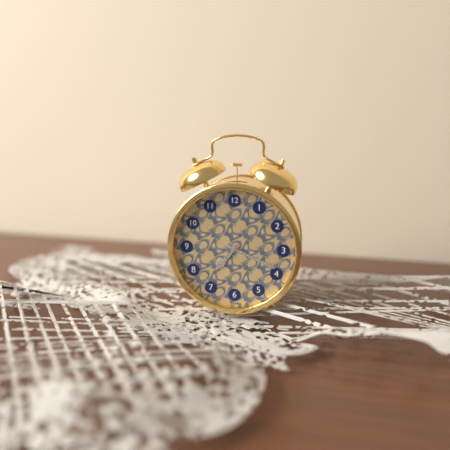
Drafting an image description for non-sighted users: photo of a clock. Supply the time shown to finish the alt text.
7:19
